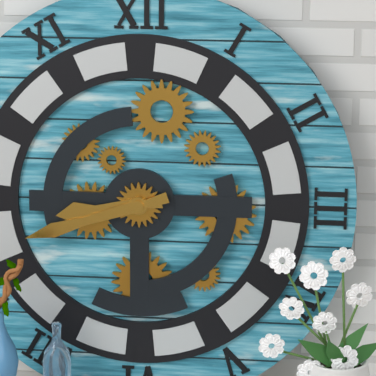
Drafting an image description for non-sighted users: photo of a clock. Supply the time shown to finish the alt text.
8:42
